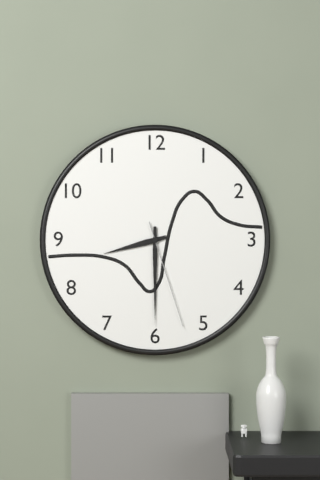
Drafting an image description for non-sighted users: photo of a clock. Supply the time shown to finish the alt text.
8:30:27
